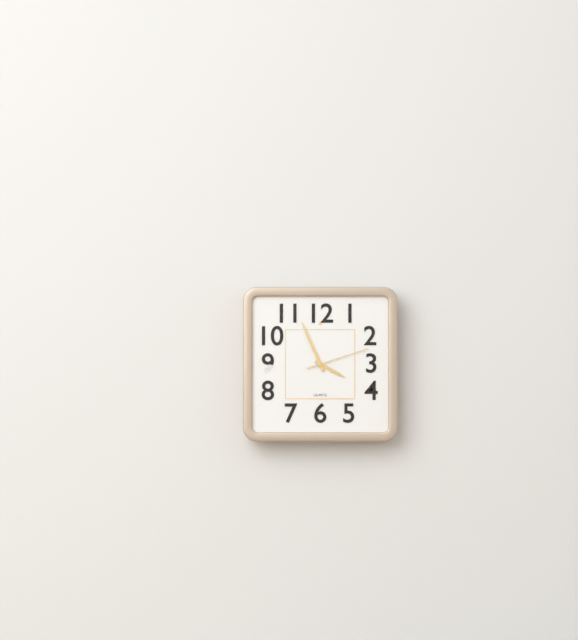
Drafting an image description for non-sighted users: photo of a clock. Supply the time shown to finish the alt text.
3:56:12
